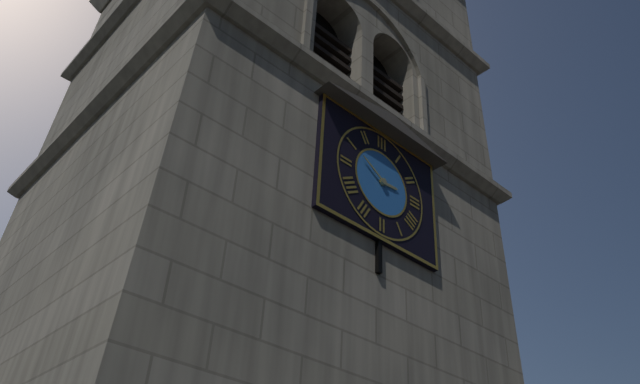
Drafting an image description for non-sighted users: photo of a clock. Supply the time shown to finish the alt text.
2:50
